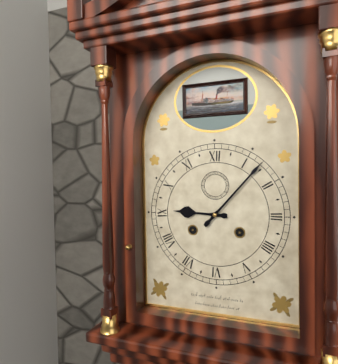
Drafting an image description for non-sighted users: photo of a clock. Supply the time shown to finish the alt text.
9:07
